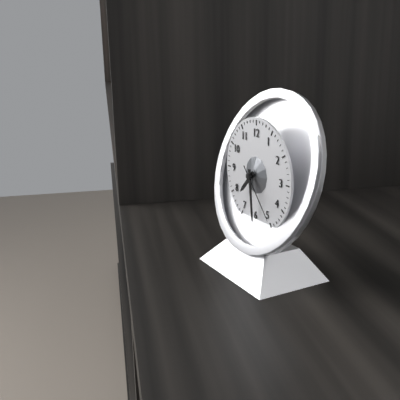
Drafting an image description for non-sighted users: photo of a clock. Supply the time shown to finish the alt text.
7:29:23
